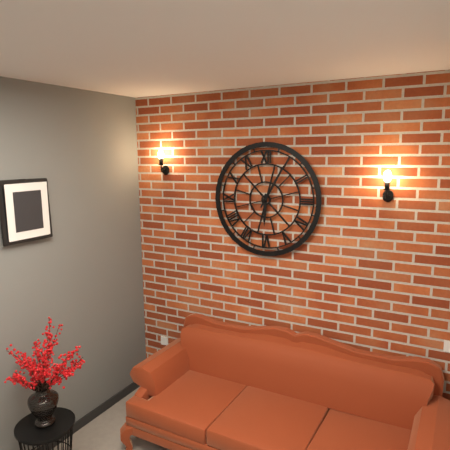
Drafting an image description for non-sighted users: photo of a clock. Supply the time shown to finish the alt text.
6:05
